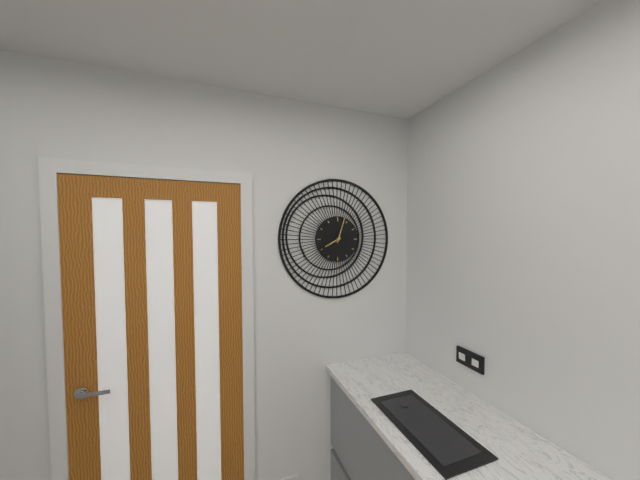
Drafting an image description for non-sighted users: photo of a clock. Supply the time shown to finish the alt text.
8:03
